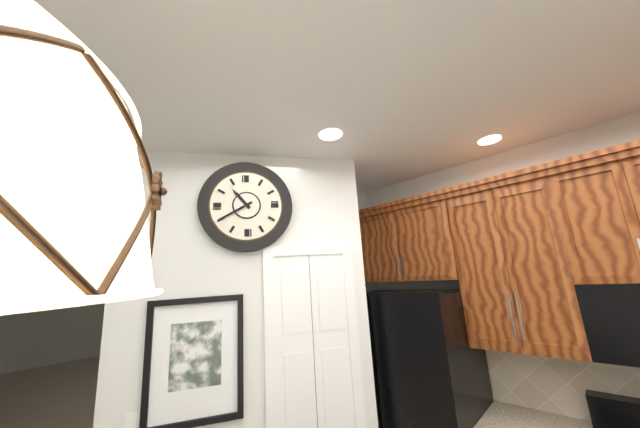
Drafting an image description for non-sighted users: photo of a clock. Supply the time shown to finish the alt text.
10:40
